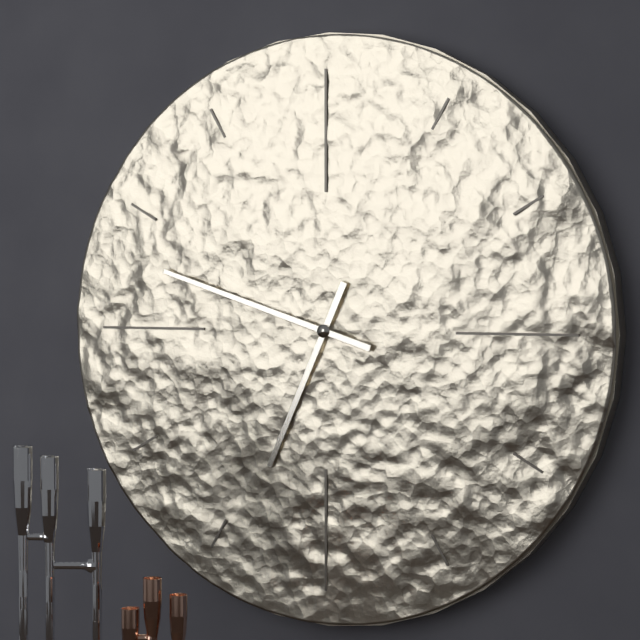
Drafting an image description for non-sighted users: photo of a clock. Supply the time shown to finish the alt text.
6:48
